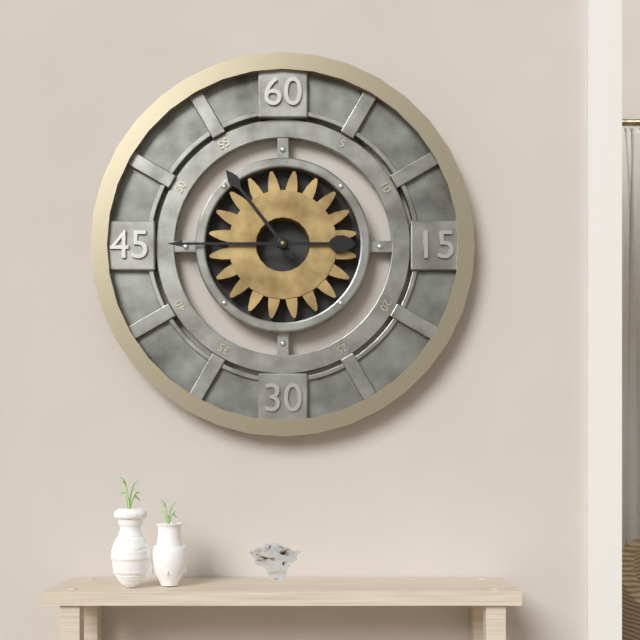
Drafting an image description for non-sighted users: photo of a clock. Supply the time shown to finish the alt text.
10:45
